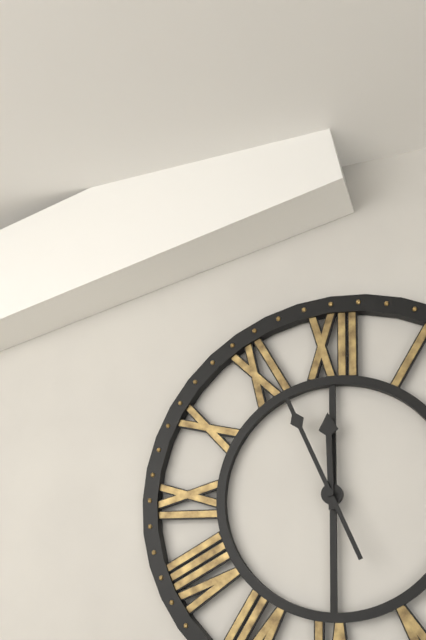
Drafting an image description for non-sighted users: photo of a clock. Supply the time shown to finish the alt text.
11:56
